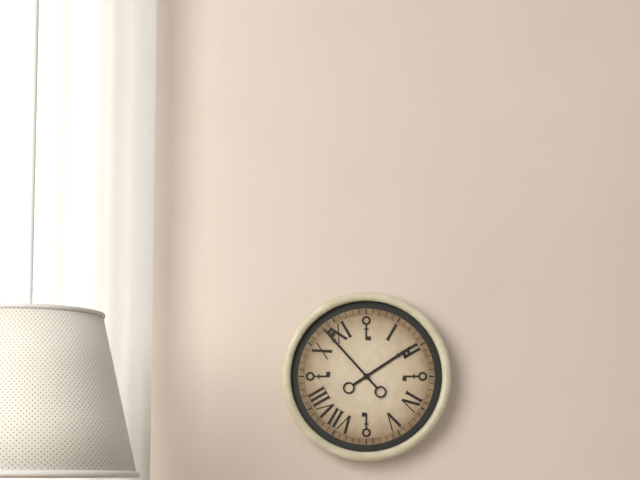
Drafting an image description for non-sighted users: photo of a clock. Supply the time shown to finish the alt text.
1:53
